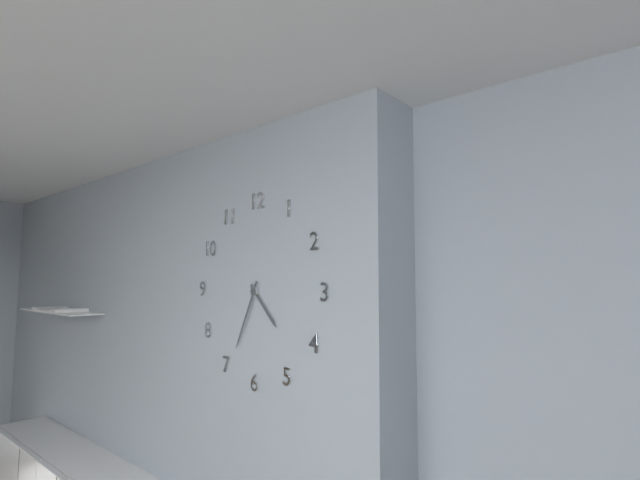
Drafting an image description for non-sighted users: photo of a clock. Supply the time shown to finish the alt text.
4:34
